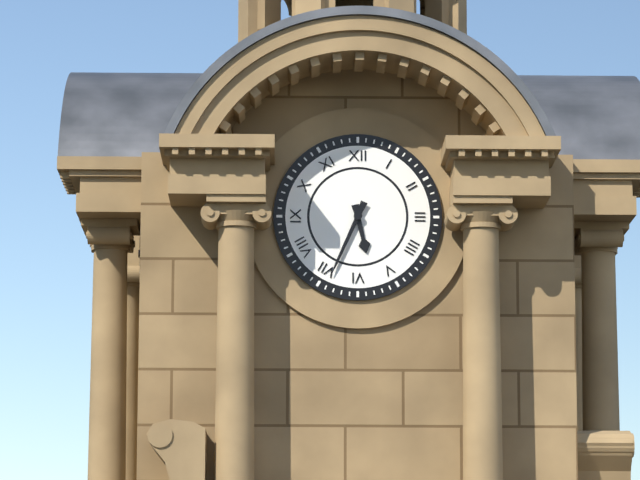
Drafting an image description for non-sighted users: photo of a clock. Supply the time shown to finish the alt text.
5:34
